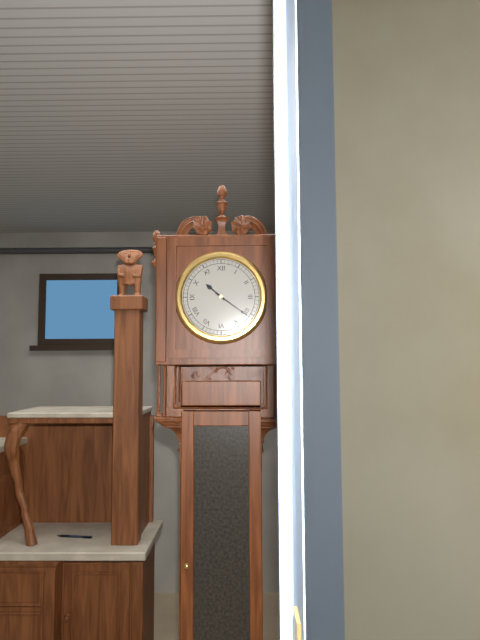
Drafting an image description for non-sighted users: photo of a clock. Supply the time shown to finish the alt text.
10:21
